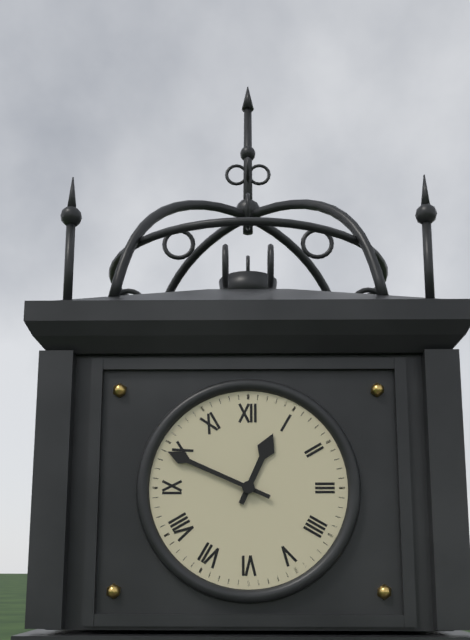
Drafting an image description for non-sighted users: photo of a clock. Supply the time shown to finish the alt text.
12:49
